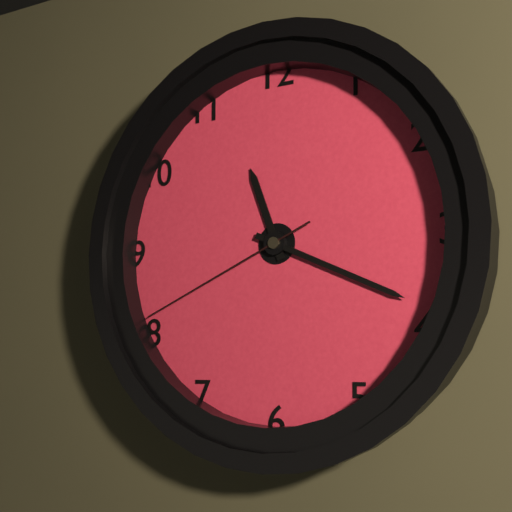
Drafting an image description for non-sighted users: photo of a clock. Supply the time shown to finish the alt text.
11:19:41
